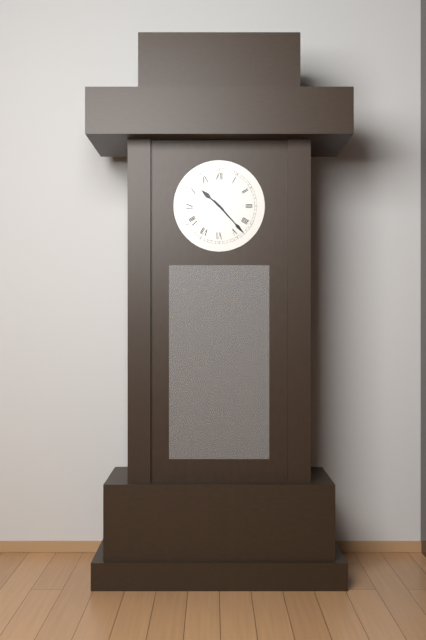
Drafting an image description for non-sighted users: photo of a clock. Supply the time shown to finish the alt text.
10:23
